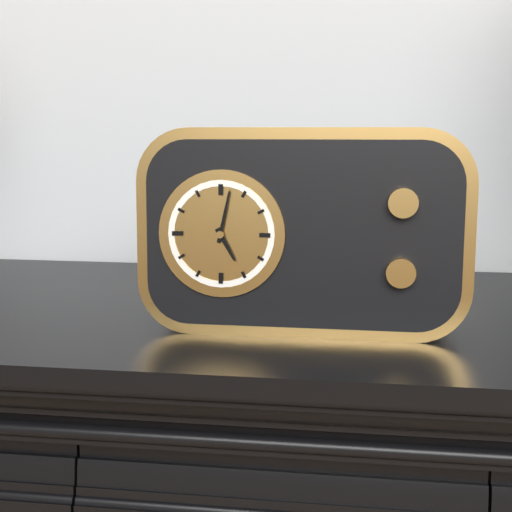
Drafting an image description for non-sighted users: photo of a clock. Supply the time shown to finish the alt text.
5:02
